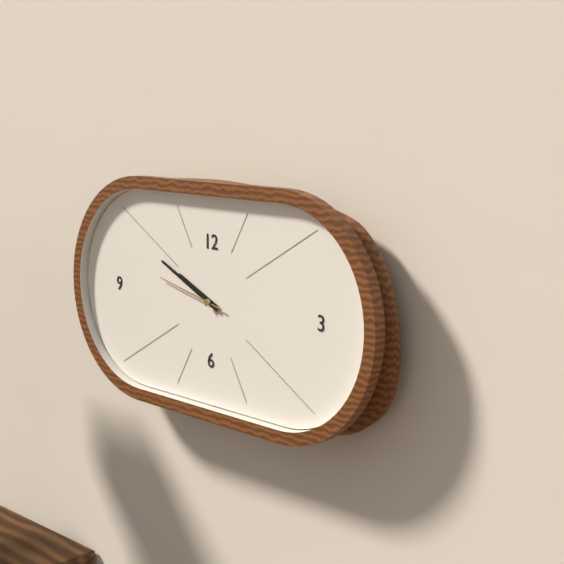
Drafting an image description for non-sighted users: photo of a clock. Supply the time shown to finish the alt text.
9:49:47
